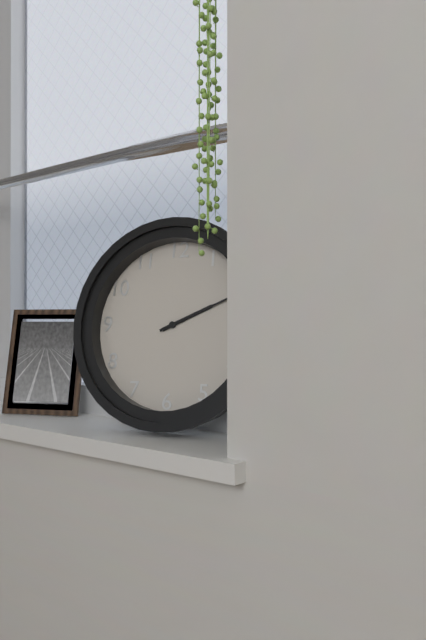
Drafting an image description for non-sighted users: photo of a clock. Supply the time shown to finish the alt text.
2:11
